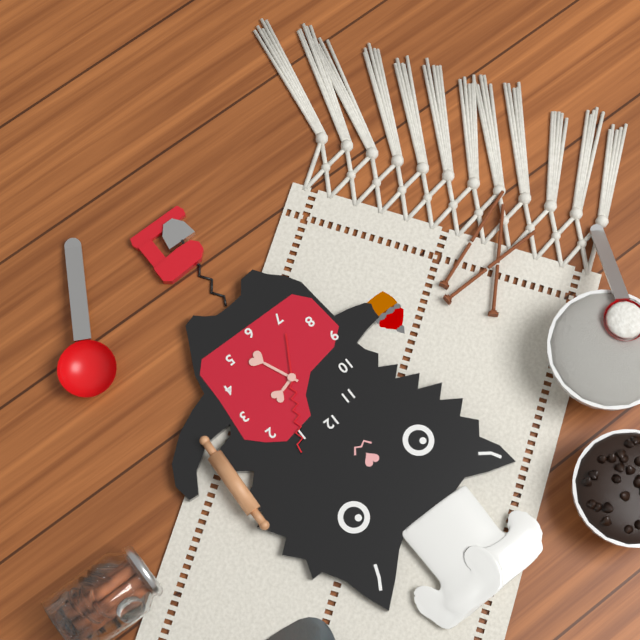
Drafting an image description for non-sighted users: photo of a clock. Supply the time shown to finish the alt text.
2:26:05
